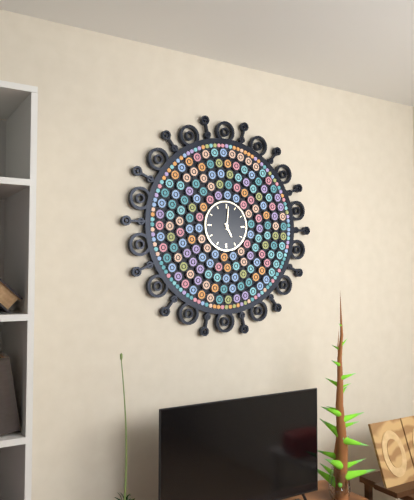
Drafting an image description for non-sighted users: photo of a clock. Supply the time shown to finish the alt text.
5:01
